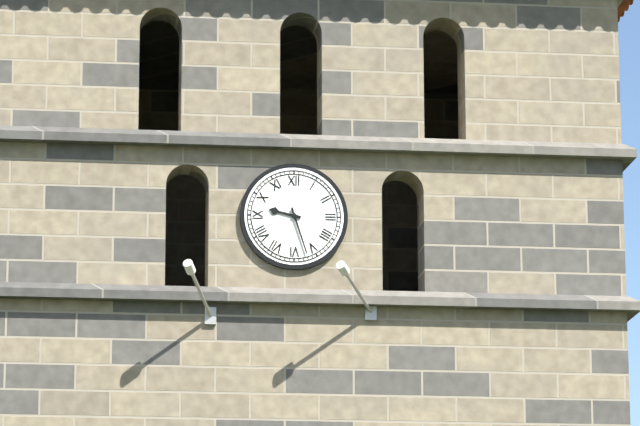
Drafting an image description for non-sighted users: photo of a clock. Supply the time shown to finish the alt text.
9:27
